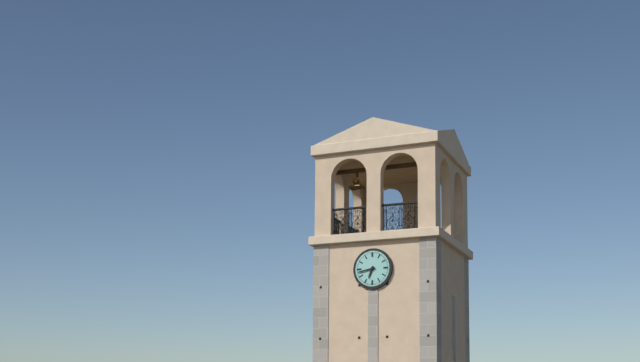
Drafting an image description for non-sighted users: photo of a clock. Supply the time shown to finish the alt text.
6:43
